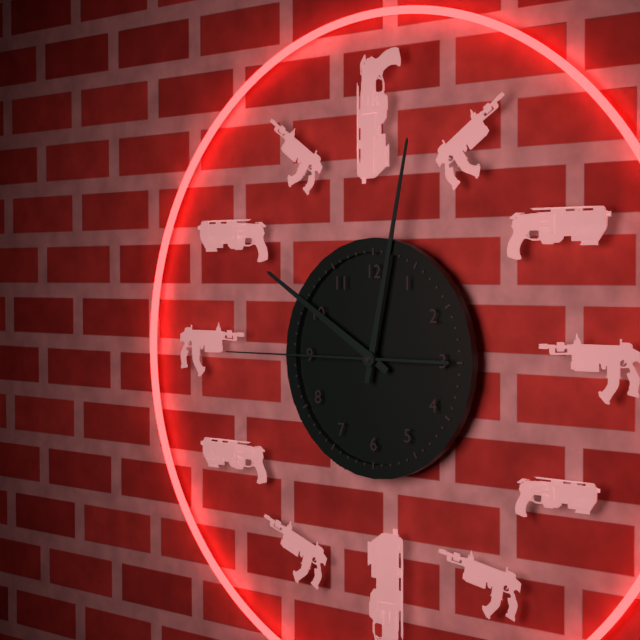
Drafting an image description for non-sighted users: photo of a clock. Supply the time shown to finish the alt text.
10:02:45
